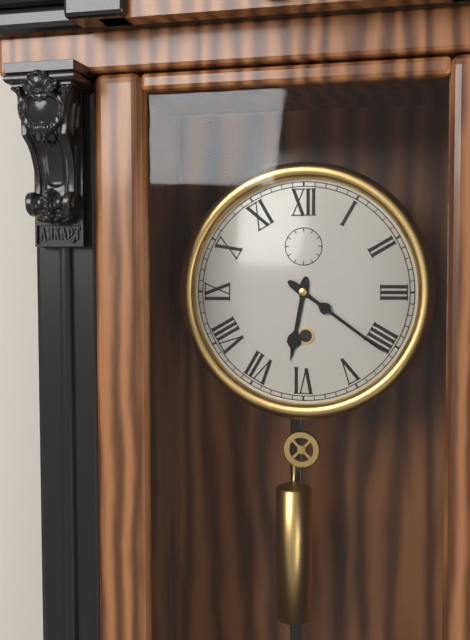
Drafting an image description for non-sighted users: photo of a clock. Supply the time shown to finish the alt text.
6:21
